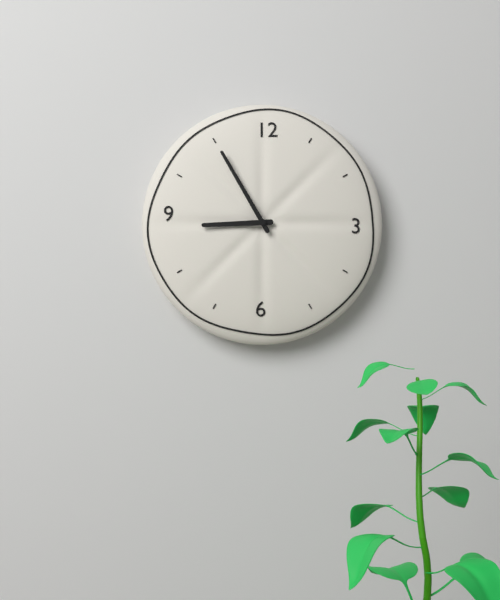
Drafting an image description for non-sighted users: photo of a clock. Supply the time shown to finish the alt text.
8:55
